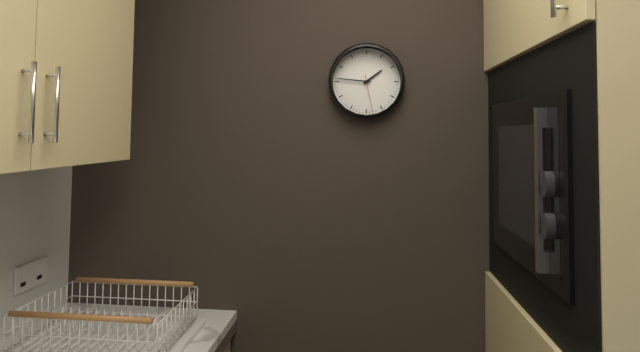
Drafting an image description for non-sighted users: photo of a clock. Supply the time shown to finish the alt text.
1:46
